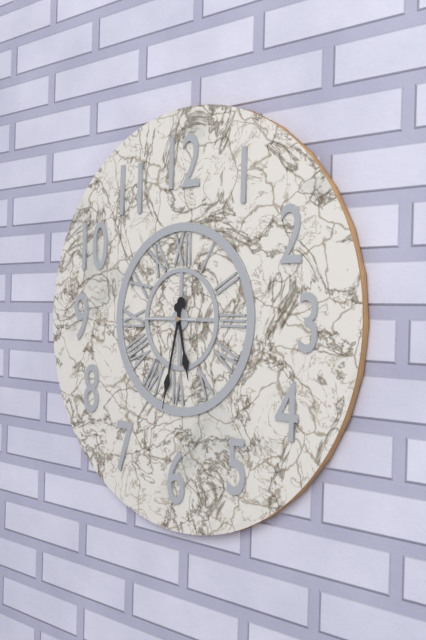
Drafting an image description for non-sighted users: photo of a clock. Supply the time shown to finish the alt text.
5:32:45
